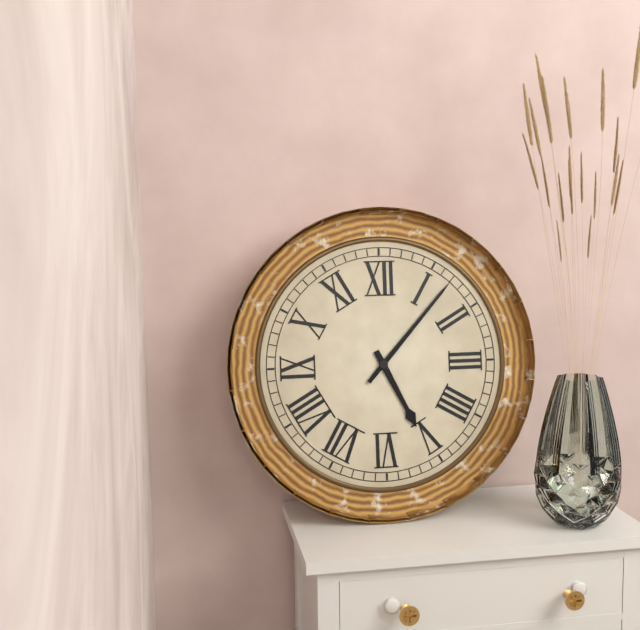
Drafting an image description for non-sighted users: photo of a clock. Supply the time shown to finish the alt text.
5:07
